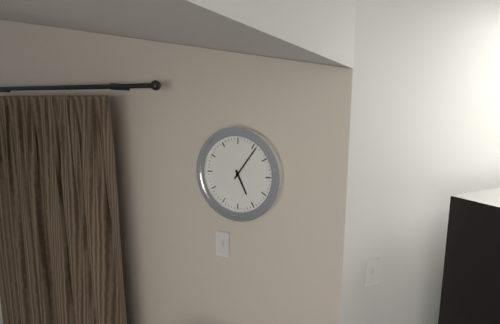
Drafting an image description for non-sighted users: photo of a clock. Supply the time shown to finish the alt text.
5:06
